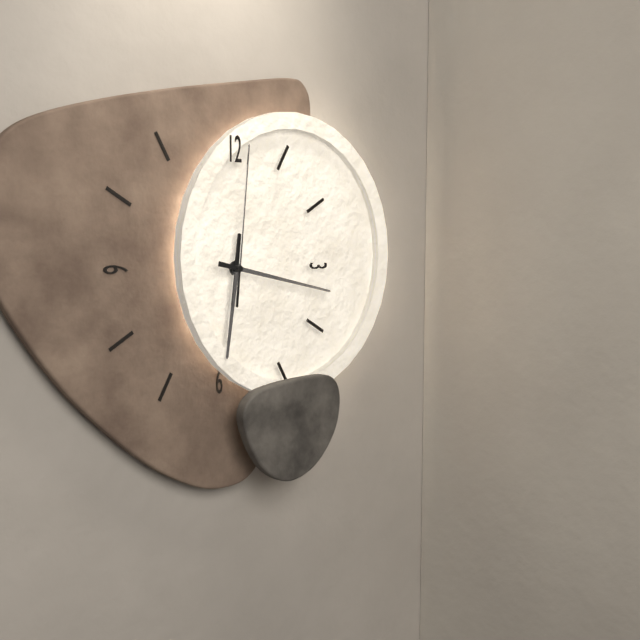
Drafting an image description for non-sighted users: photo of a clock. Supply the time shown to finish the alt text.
6:17:01
